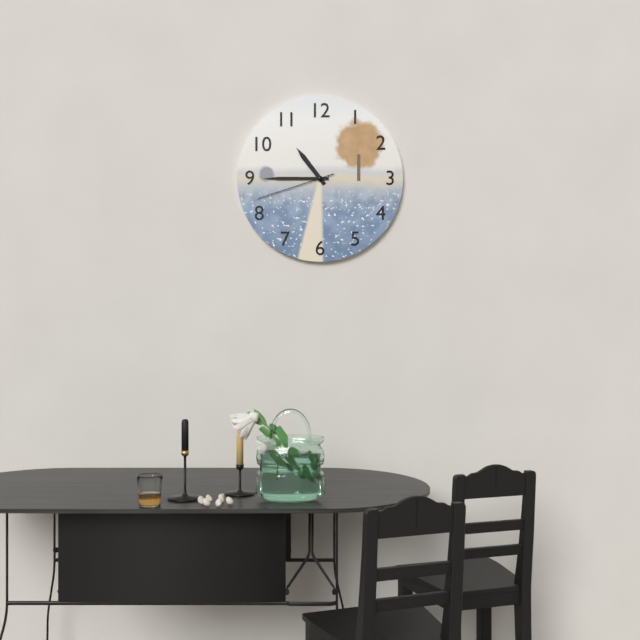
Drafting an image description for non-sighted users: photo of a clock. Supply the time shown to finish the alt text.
10:45:42
